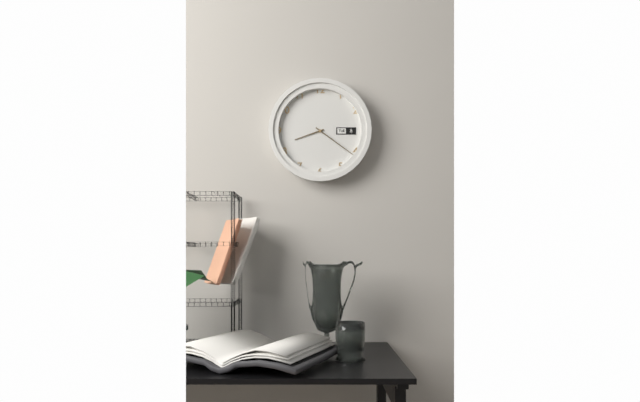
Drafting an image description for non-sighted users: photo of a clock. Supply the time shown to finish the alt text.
8:21
